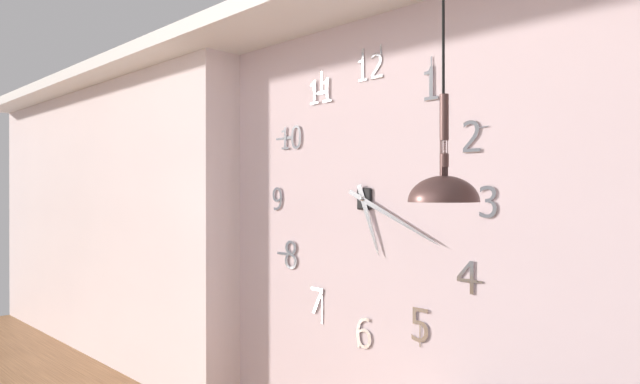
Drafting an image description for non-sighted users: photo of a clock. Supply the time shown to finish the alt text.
5:19
